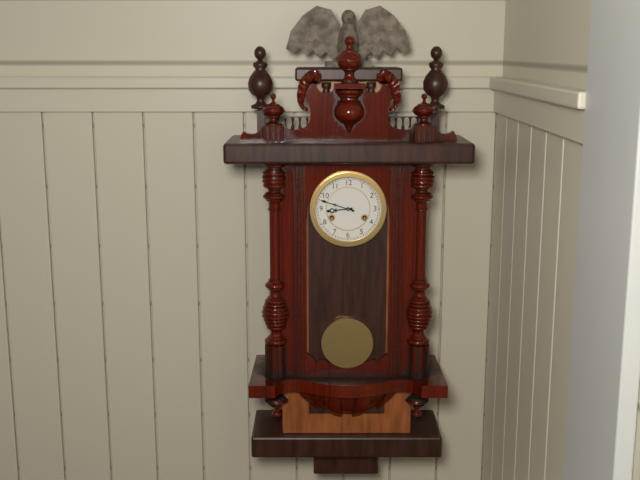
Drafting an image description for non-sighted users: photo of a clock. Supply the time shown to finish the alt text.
8:48
